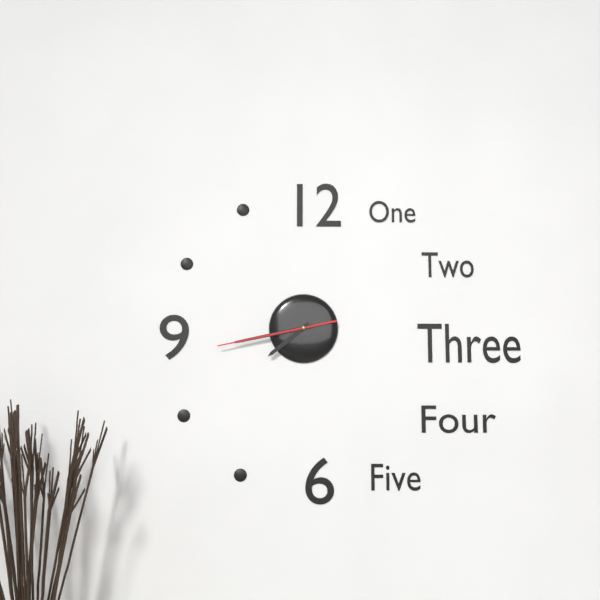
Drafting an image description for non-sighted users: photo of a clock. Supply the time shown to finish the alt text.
7:43:43
